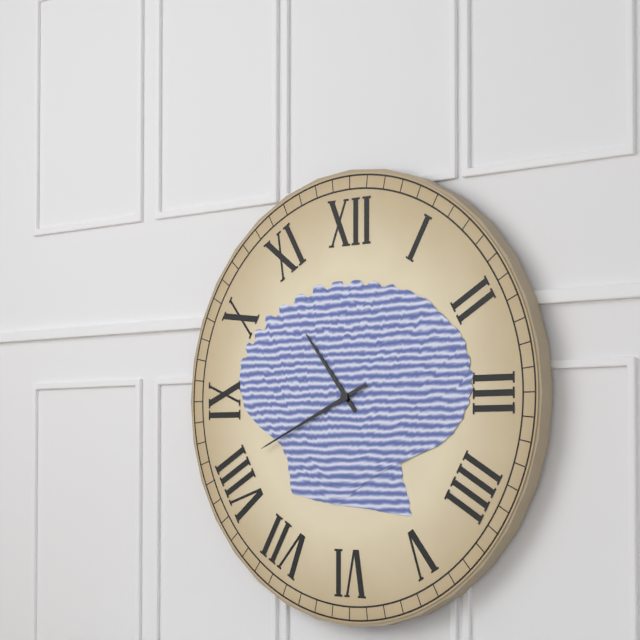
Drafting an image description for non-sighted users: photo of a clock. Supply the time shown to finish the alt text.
10:41
